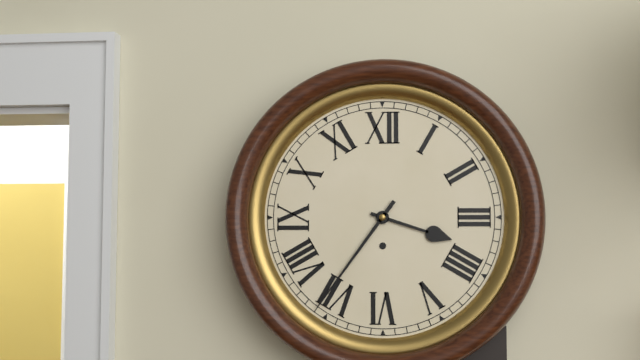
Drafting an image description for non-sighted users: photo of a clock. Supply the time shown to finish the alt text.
3:36
